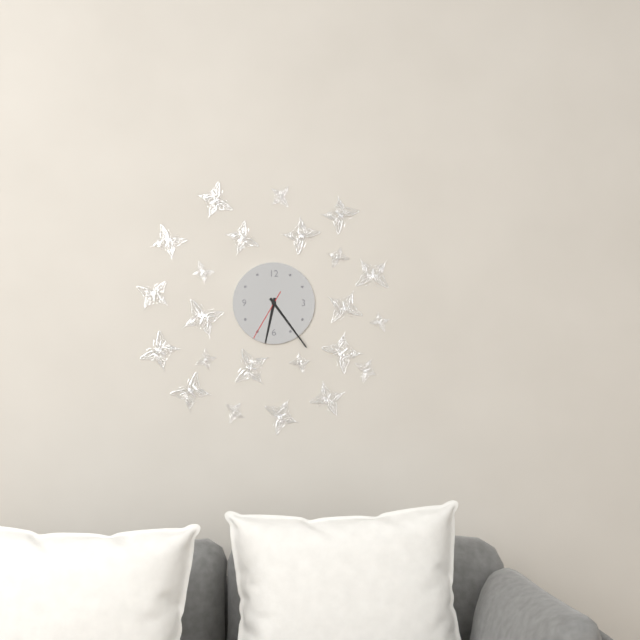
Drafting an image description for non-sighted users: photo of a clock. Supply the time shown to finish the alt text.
6:24:35
